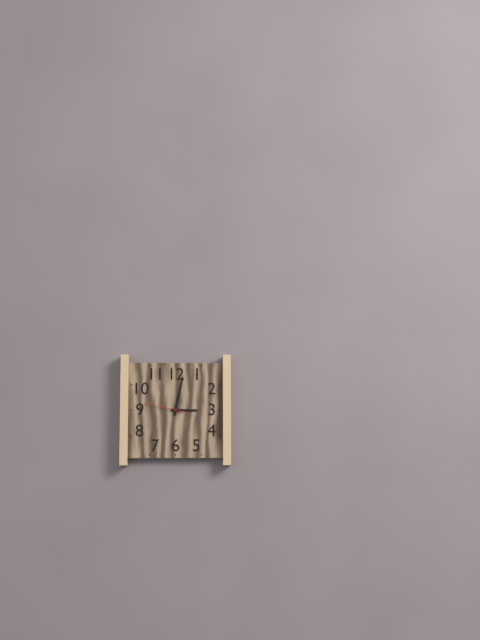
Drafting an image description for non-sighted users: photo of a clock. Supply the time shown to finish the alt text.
3:02
